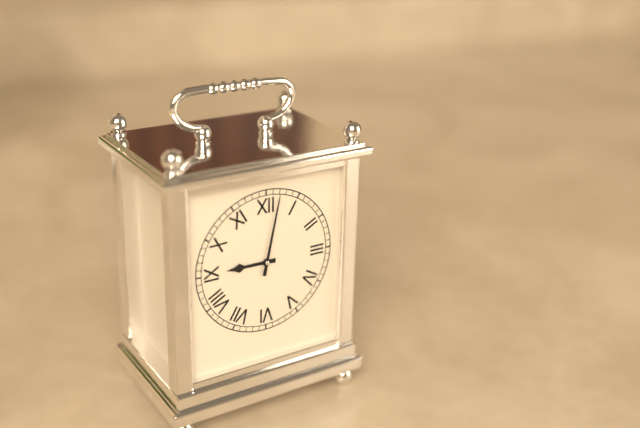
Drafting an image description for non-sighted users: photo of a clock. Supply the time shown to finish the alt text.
9:02
